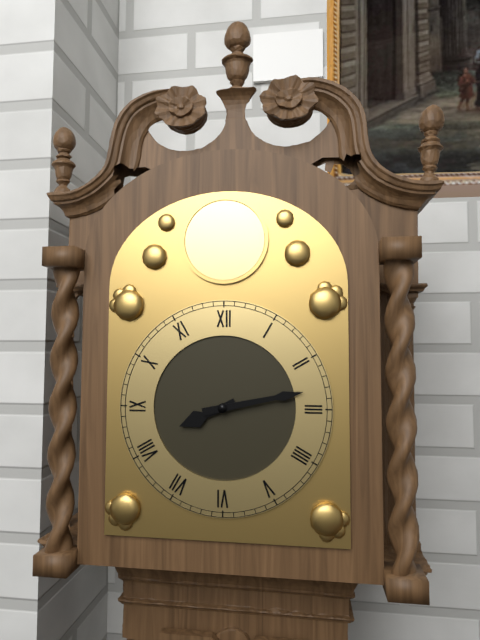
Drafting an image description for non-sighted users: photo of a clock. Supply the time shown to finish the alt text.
8:13
